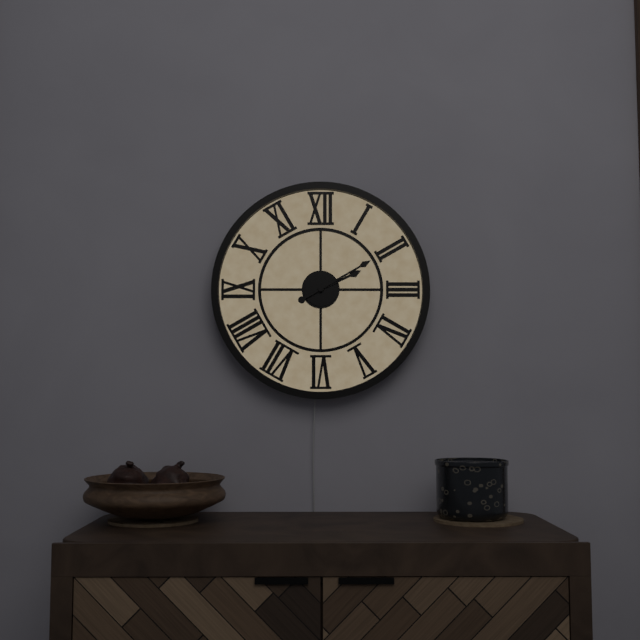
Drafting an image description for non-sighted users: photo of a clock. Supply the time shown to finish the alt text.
2:10
